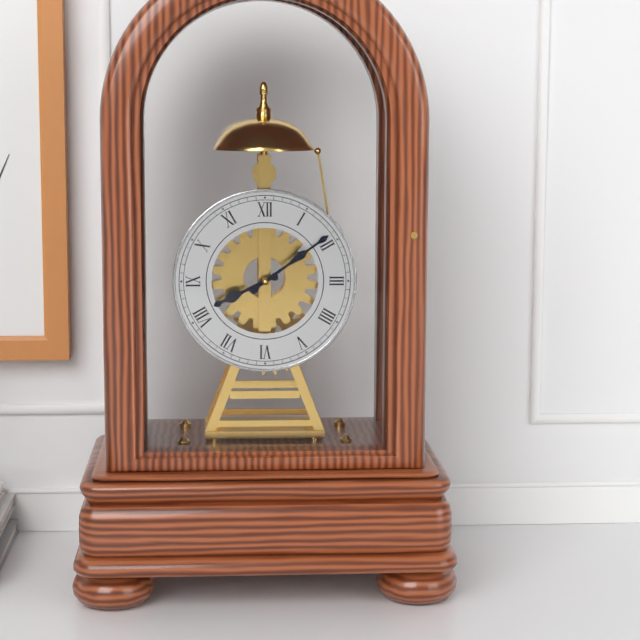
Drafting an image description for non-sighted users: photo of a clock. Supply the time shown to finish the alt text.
8:09
